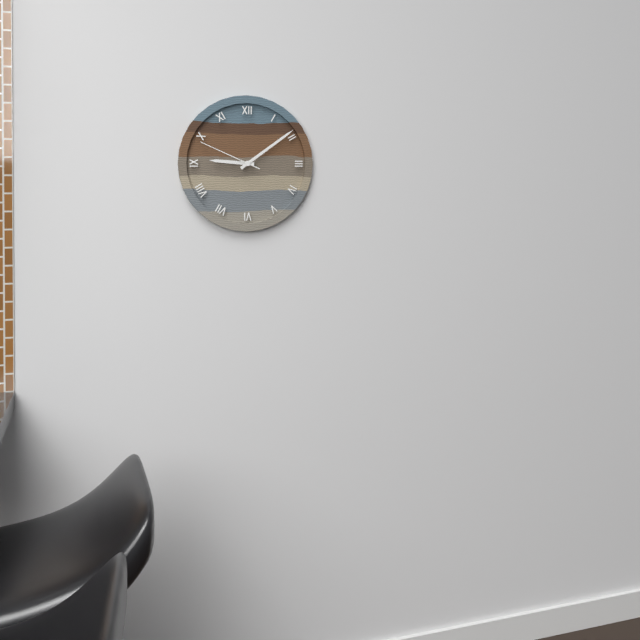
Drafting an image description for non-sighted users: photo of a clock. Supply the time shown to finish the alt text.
9:09:49
